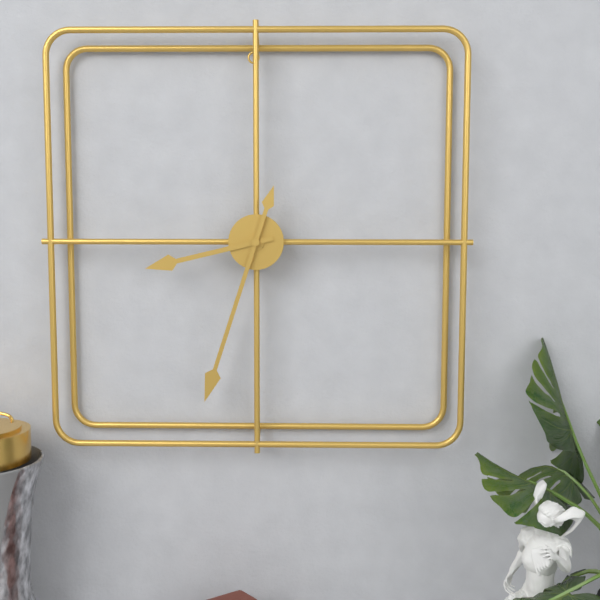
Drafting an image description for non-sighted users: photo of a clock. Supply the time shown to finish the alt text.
8:33
